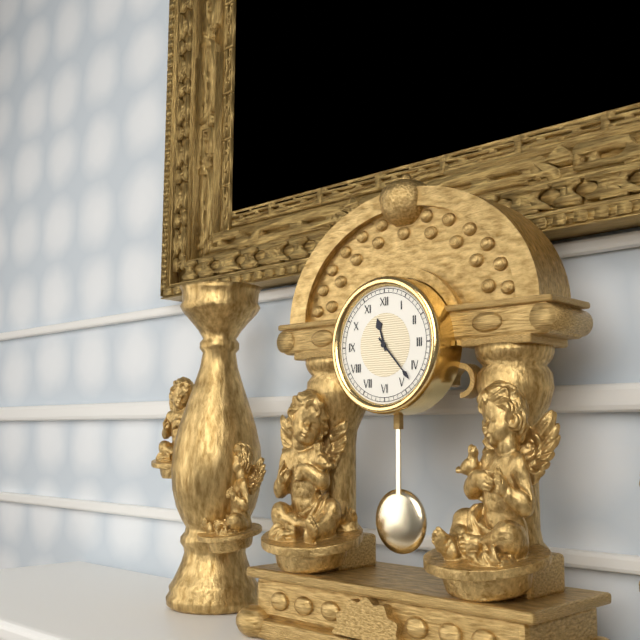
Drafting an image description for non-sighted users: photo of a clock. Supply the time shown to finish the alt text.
11:23
